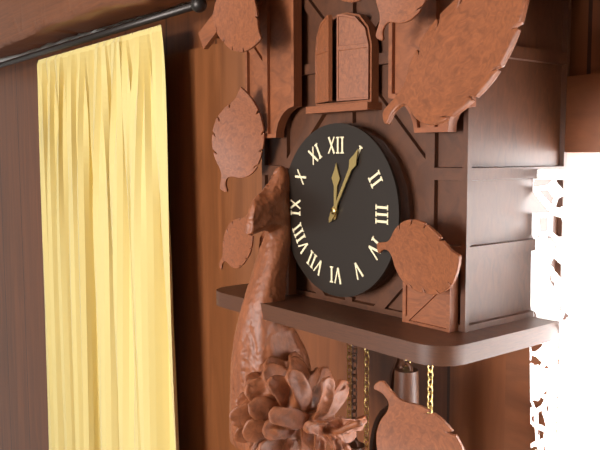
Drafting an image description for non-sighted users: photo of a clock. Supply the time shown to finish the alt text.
12:05
